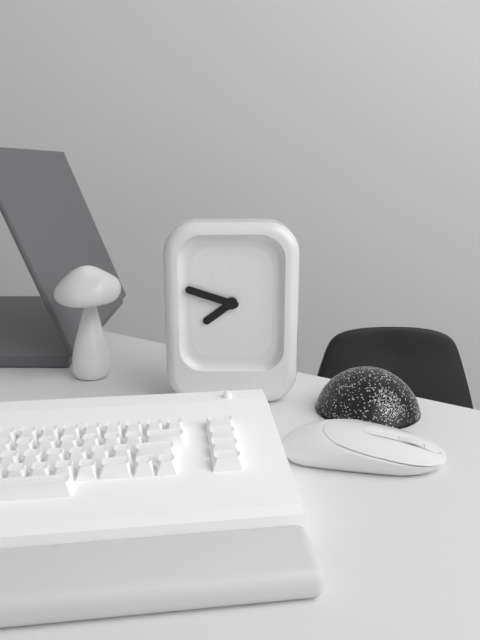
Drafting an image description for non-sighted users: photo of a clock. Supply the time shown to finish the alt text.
7:48
